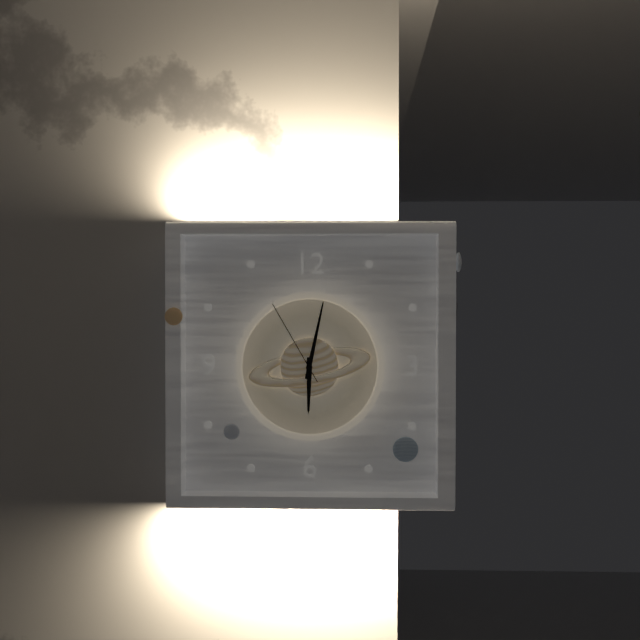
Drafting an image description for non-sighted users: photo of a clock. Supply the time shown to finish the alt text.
6:02:55
